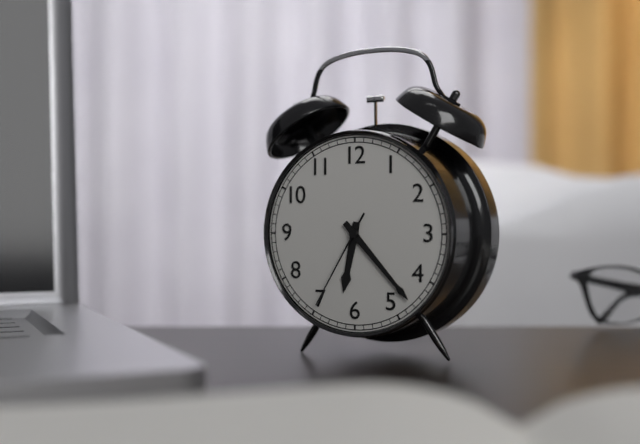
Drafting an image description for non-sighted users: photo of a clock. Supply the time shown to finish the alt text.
6:23:35
